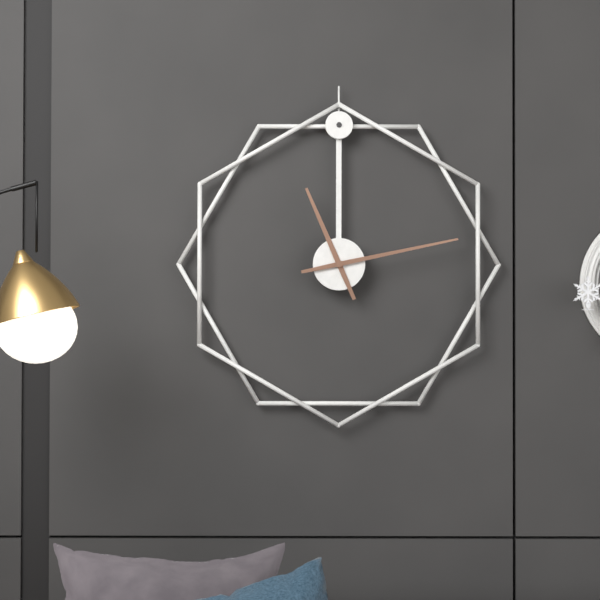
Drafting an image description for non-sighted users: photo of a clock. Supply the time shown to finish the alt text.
11:13
